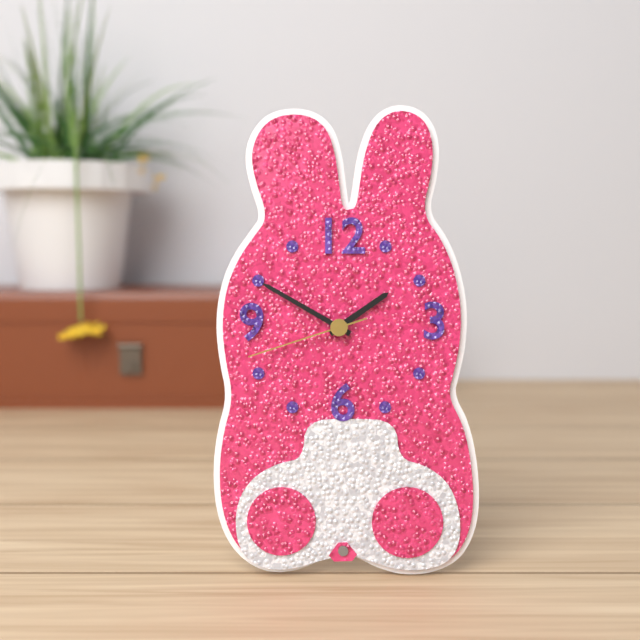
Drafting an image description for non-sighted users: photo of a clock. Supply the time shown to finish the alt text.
1:50:42
